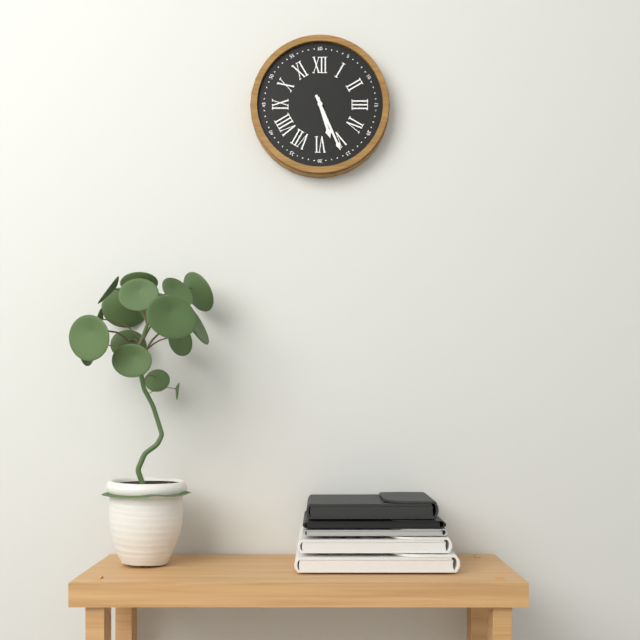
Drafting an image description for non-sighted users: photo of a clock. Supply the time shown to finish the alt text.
5:26
